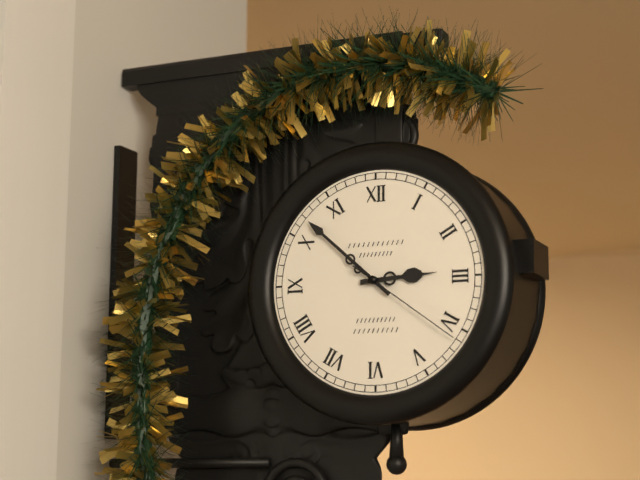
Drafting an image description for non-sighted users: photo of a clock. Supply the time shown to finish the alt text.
2:52:21
